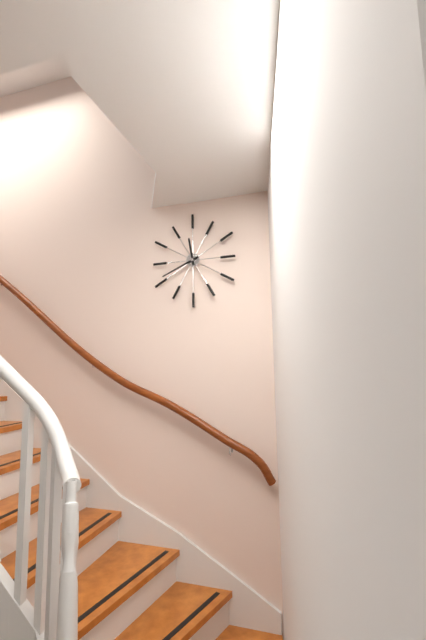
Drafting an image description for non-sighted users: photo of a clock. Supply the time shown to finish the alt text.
11:41
